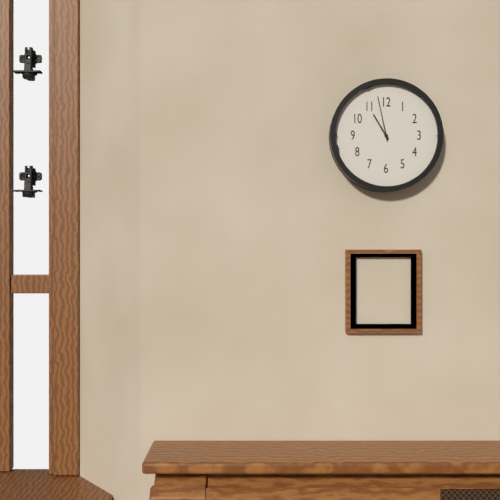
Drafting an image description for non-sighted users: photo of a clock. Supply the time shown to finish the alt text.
10:58
